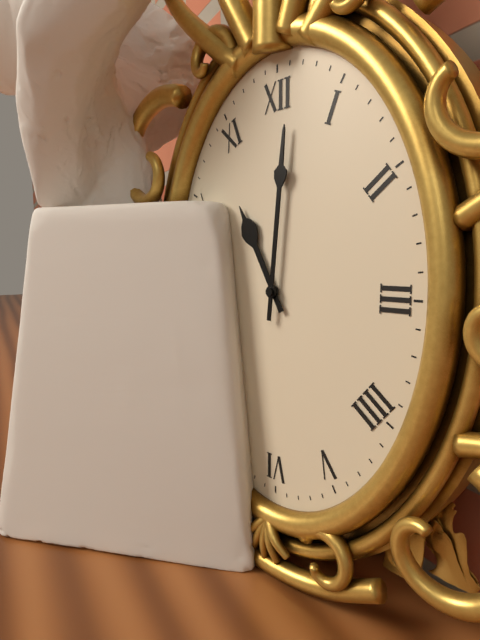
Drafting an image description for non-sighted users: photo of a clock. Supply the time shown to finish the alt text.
11:01
